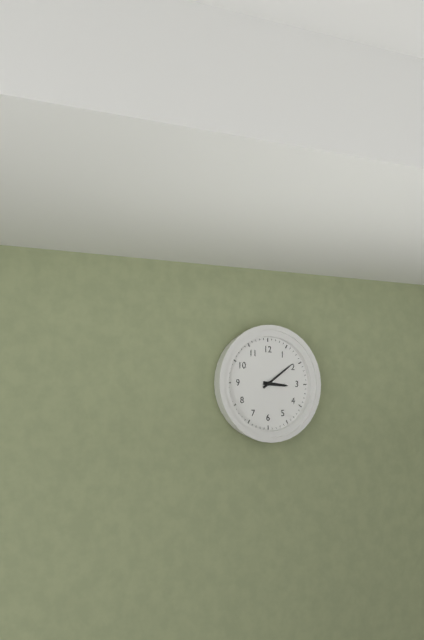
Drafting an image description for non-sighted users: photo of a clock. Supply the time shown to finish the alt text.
3:09
